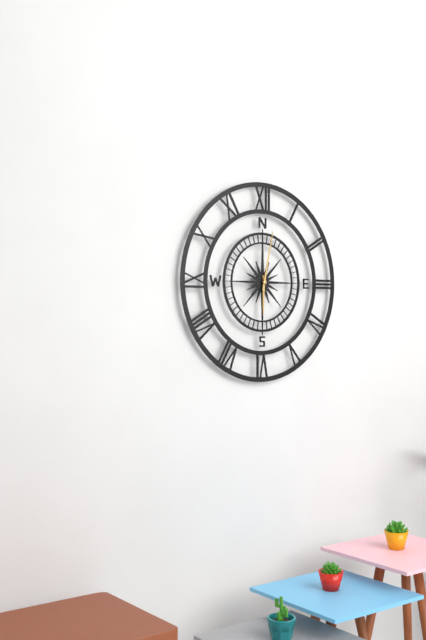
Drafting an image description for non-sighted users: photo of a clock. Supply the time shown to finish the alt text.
6:02
